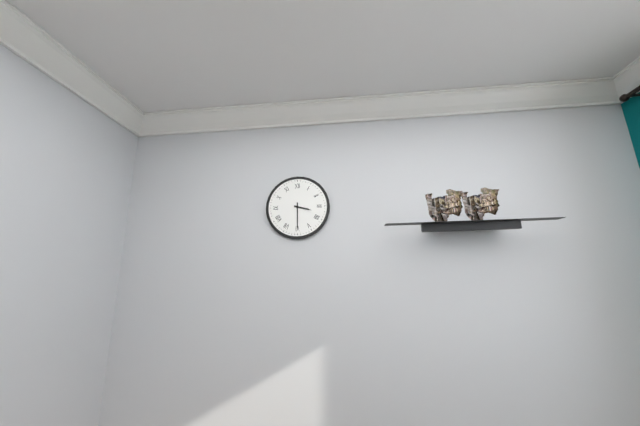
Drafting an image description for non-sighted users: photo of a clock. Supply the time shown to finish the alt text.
3:30
